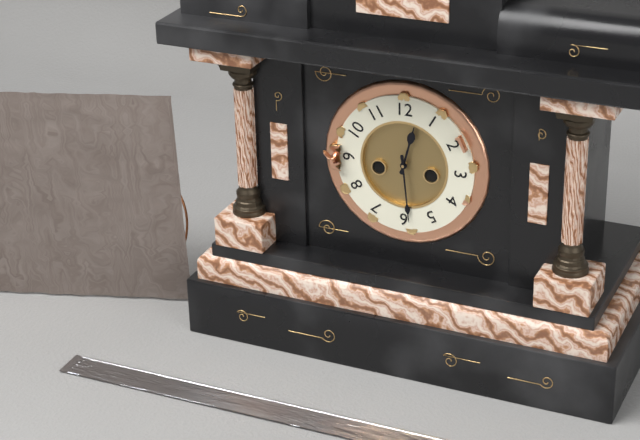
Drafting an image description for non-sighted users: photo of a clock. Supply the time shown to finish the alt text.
12:29
